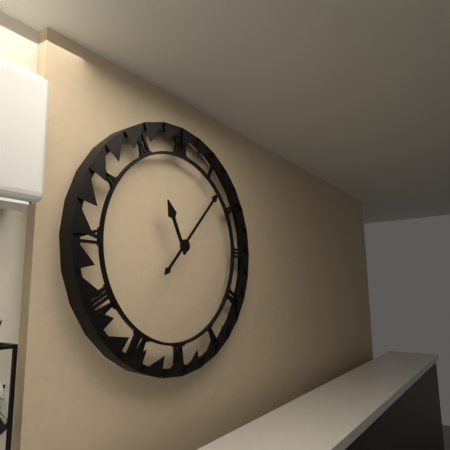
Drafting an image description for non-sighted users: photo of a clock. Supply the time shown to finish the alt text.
11:07
